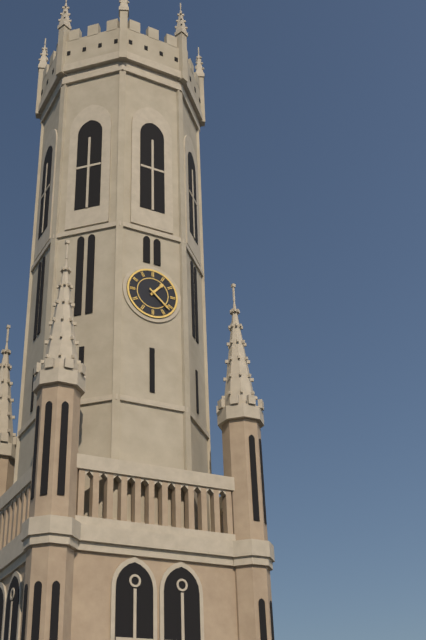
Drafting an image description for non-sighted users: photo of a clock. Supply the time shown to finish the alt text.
1:22
